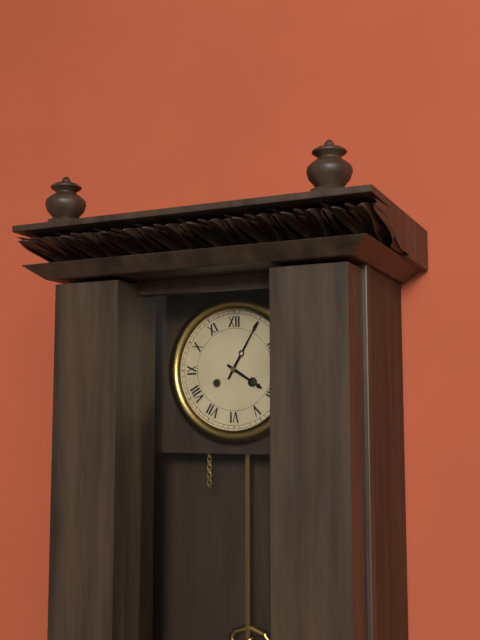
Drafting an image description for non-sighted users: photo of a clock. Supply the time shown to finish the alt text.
4:05
